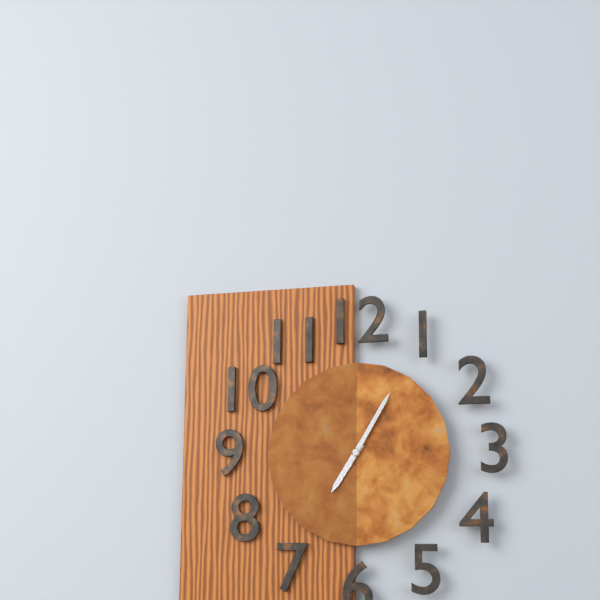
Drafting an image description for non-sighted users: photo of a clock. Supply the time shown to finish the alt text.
7:05
